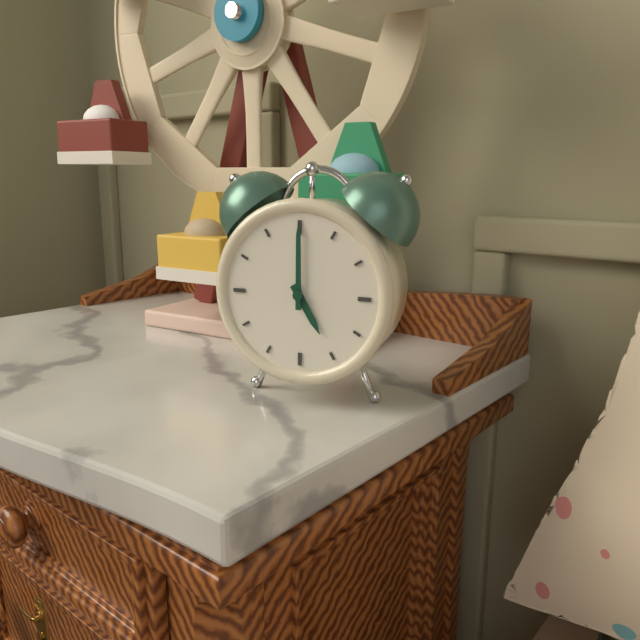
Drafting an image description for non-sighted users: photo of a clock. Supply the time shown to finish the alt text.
5:00
